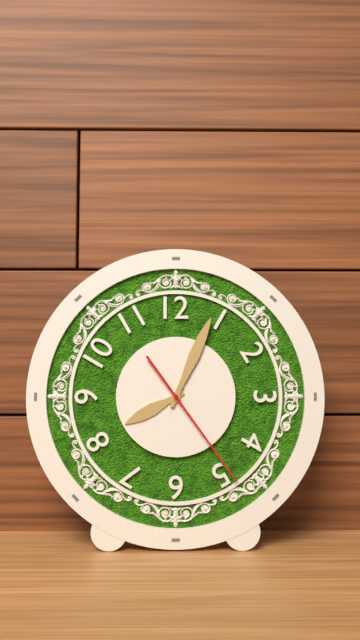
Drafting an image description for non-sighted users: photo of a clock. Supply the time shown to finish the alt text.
8:04:24
